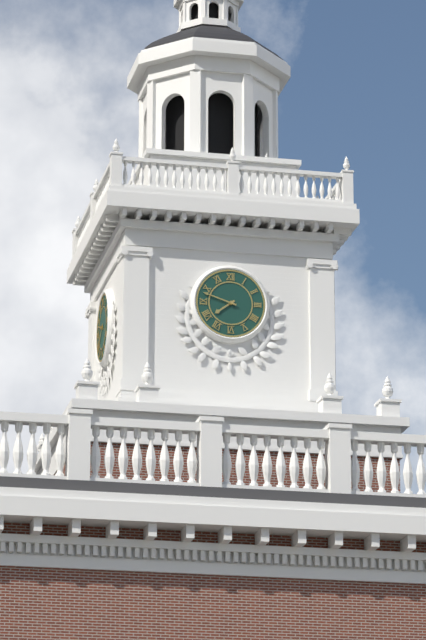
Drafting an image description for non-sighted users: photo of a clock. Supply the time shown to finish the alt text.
7:48
